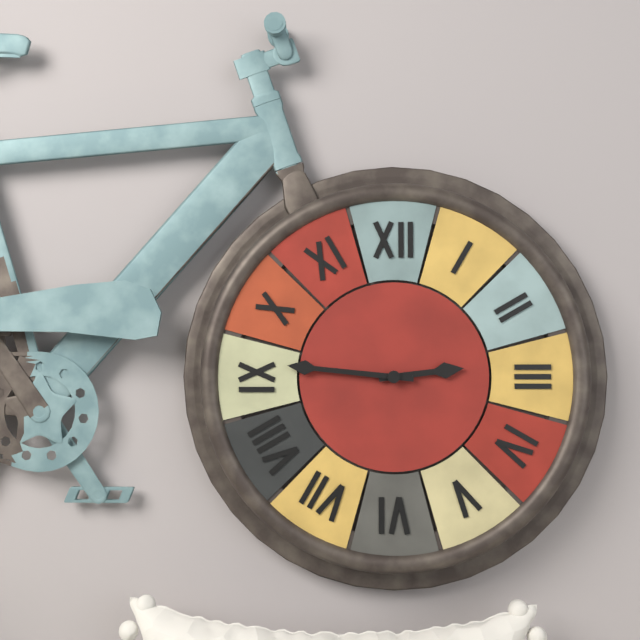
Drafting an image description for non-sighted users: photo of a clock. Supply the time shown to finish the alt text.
2:46
